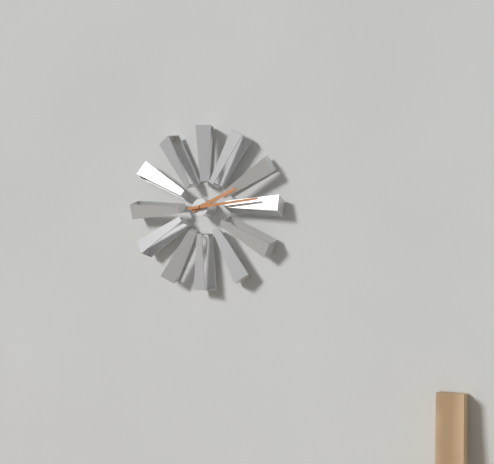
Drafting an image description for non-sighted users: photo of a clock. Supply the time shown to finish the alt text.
2:14
